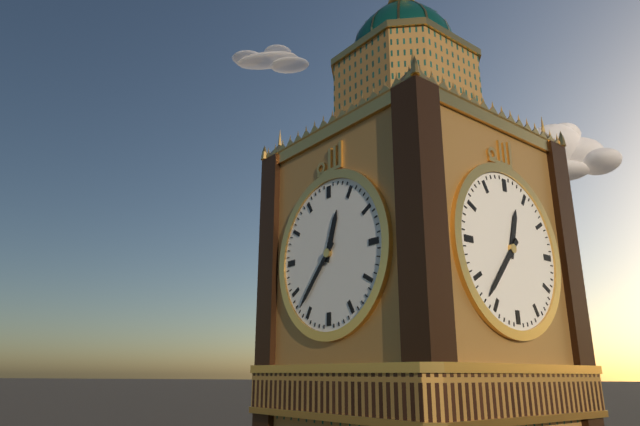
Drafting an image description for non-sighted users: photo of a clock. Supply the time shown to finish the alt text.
12:37
